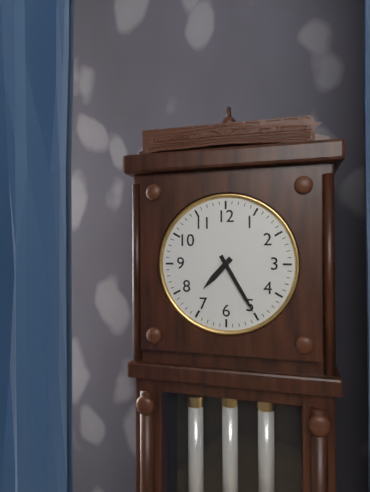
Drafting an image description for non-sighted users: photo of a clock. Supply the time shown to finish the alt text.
7:25
